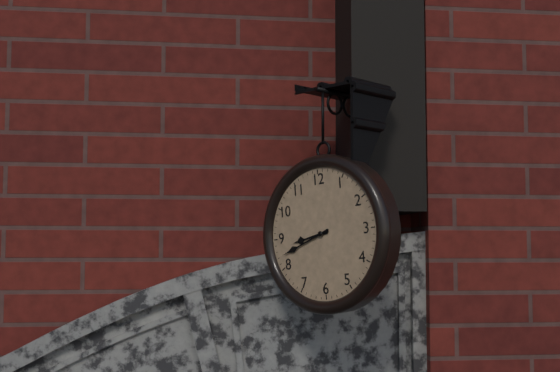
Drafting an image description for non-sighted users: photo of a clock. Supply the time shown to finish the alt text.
8:42
